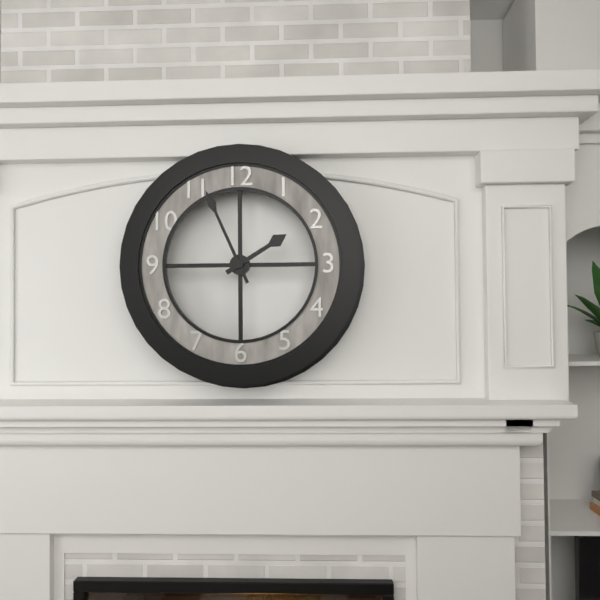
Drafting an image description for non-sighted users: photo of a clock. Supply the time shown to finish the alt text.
1:56
